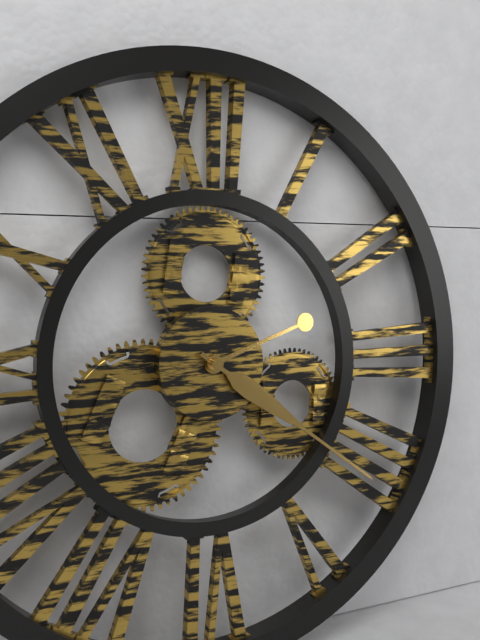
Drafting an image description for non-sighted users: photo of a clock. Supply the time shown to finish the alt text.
2:21
